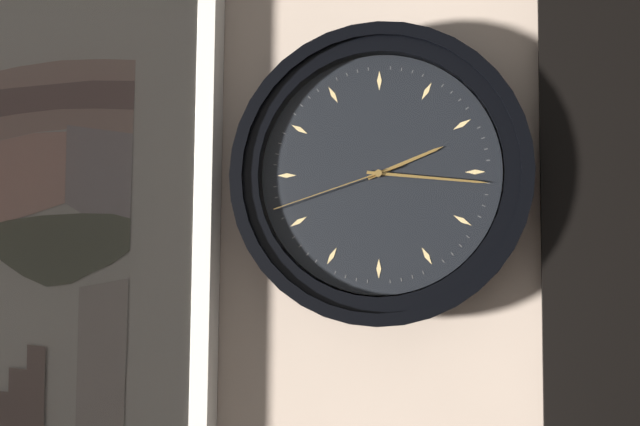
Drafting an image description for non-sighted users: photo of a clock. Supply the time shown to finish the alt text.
2:16:42
